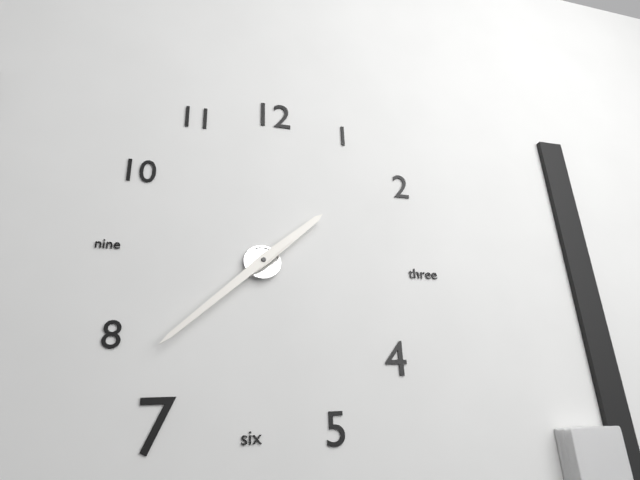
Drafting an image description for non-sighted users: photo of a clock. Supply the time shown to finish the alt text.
1:38
